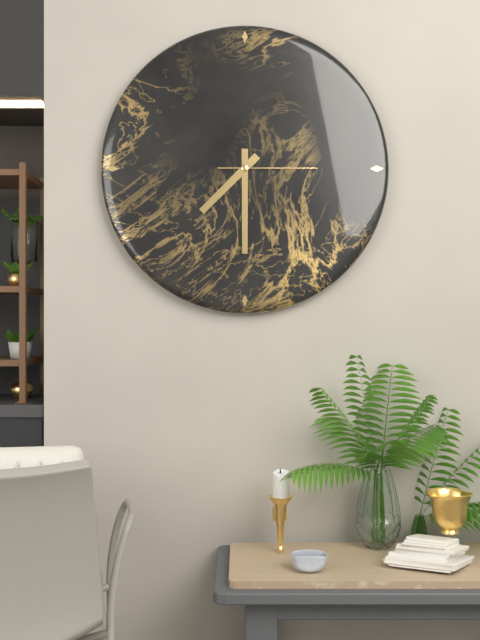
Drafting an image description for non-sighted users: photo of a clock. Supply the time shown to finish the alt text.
7:30:15
